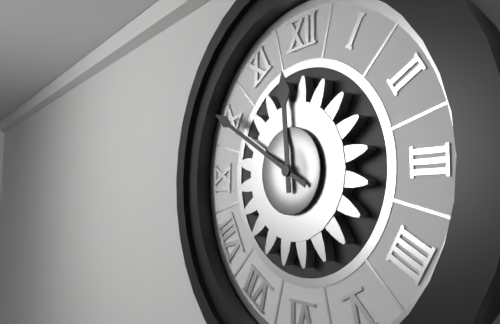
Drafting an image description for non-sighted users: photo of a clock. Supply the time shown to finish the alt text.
11:50
